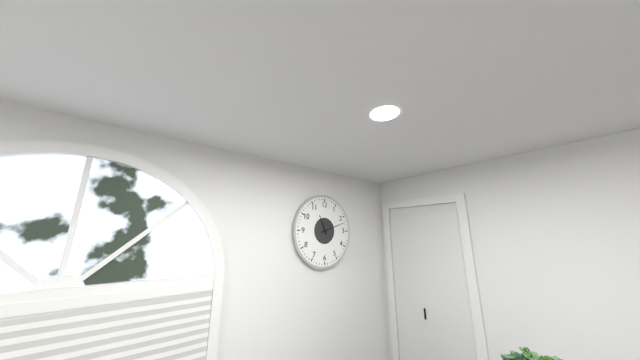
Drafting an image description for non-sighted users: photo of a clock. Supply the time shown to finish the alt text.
11:12
